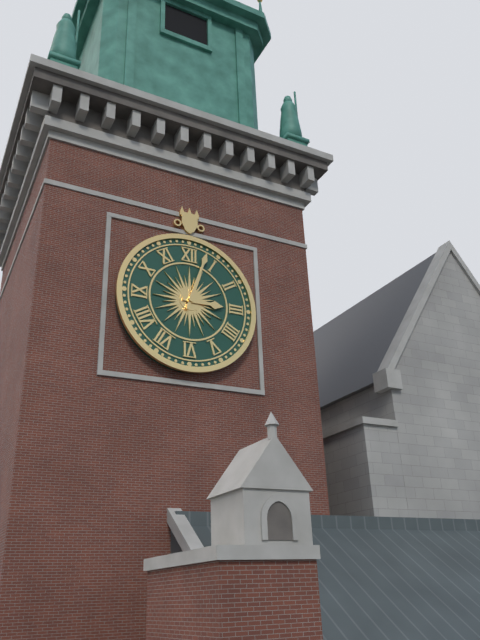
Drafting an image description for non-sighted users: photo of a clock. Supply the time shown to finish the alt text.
3:03
